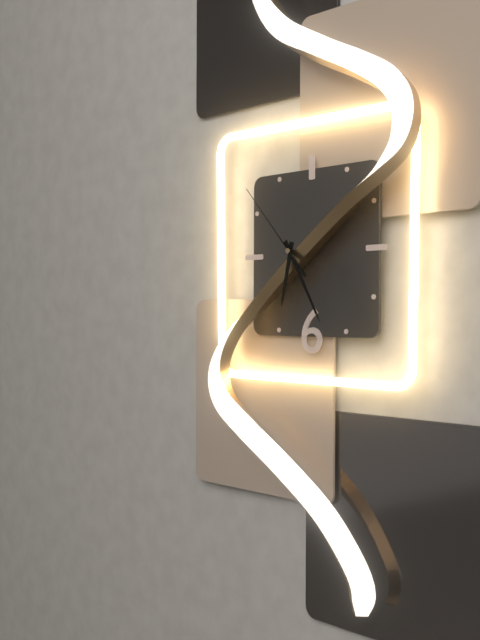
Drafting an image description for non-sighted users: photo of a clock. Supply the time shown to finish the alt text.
6:25:53
